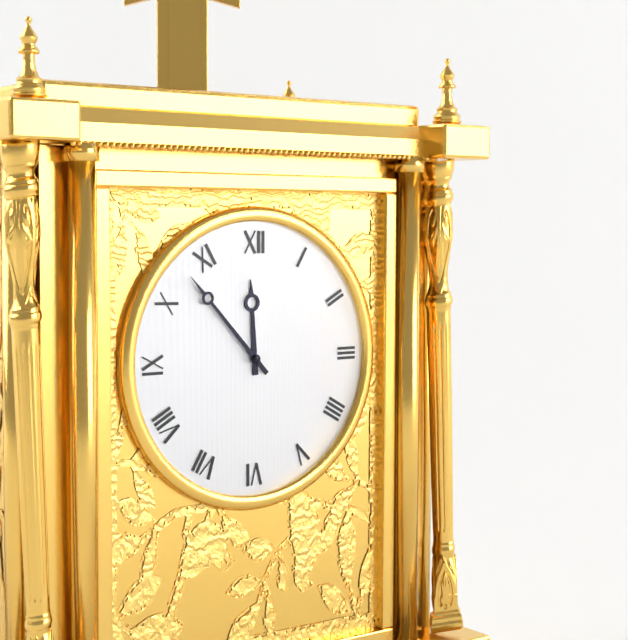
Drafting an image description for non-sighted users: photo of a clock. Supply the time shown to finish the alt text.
11:53
